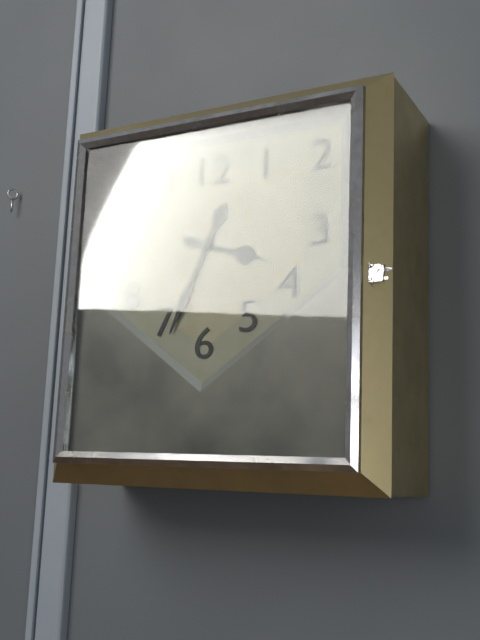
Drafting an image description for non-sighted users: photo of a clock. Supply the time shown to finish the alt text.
3:34
